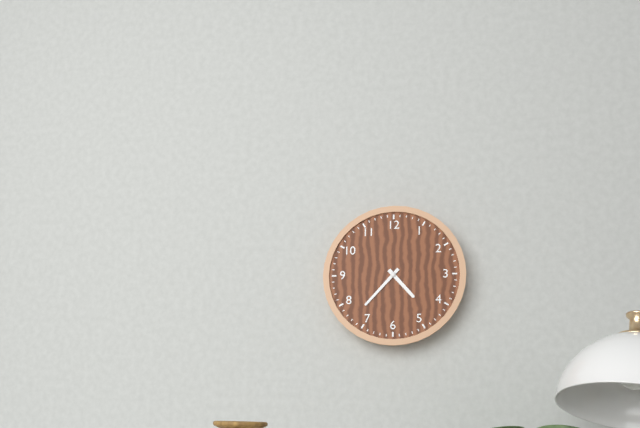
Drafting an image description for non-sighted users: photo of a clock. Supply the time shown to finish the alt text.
4:37
